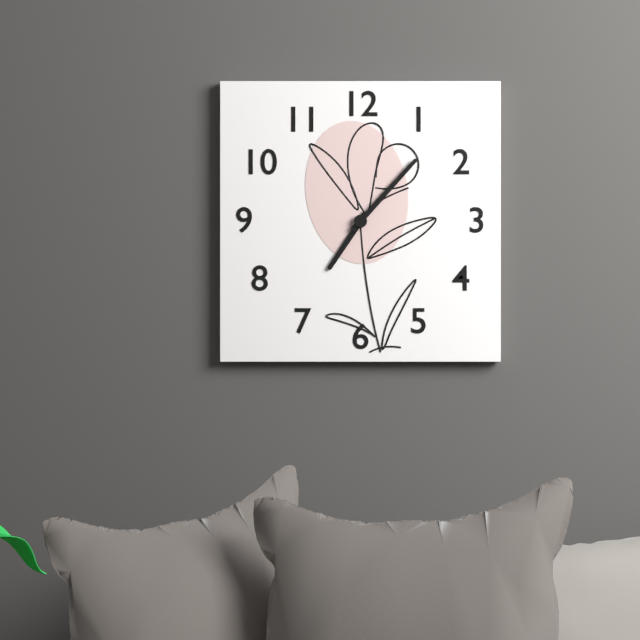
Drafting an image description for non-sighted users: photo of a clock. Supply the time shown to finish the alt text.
7:07
